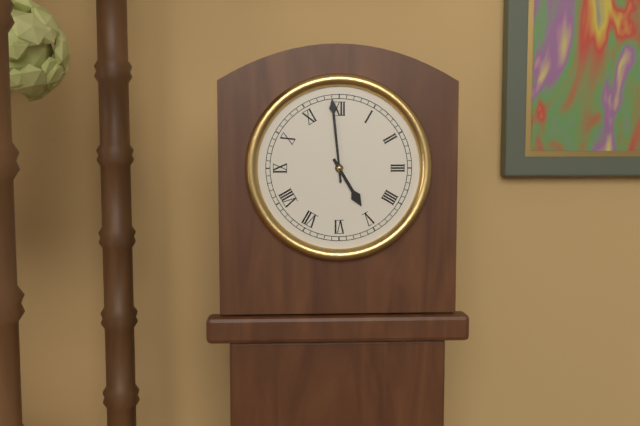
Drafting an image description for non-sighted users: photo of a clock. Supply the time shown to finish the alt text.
4:59
